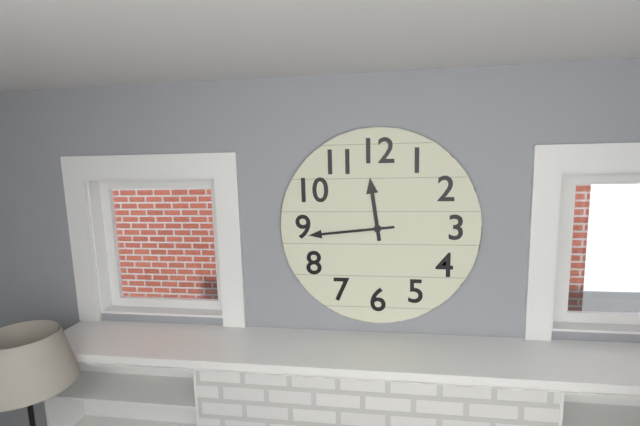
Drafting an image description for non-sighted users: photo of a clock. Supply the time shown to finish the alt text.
11:44
